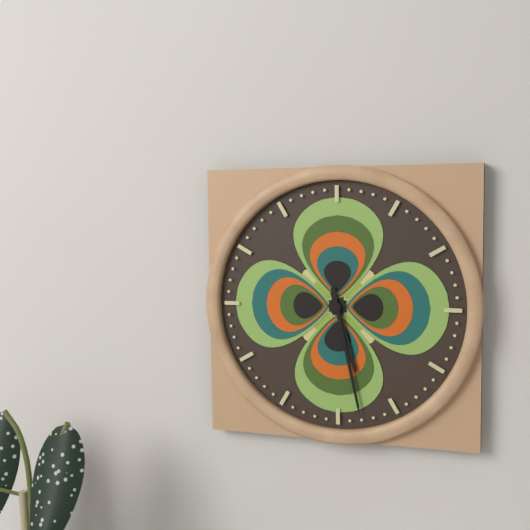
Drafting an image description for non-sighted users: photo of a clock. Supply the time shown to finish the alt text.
5:28
